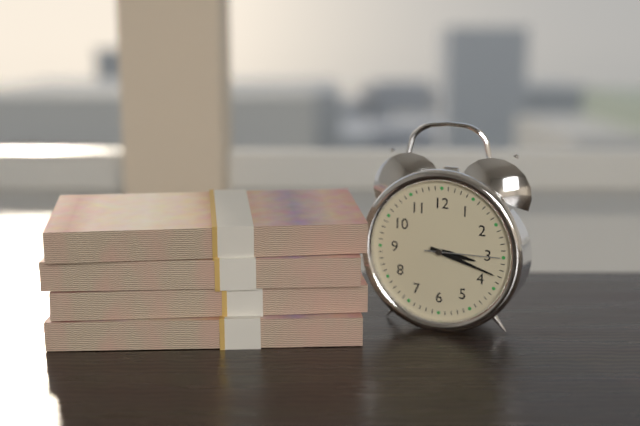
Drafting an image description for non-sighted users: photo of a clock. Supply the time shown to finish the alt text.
3:18:15
